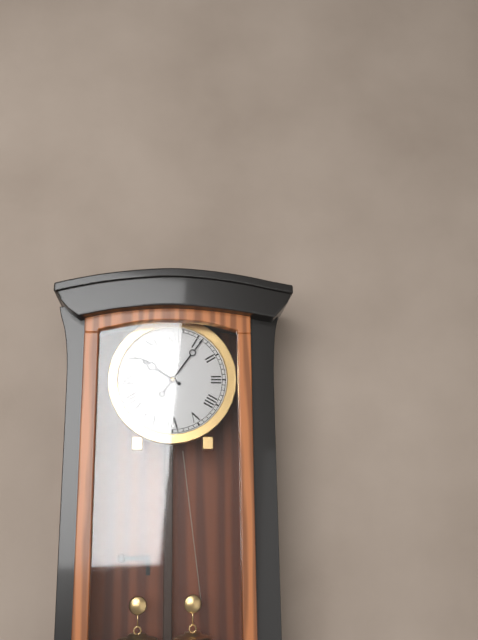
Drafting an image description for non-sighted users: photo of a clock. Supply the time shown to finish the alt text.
10:06
